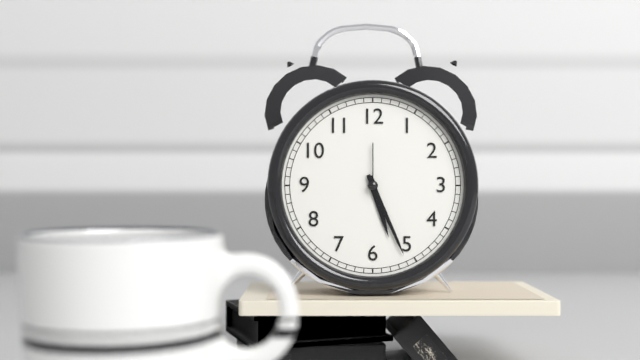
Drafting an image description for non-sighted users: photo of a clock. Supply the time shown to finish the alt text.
5:26:00
